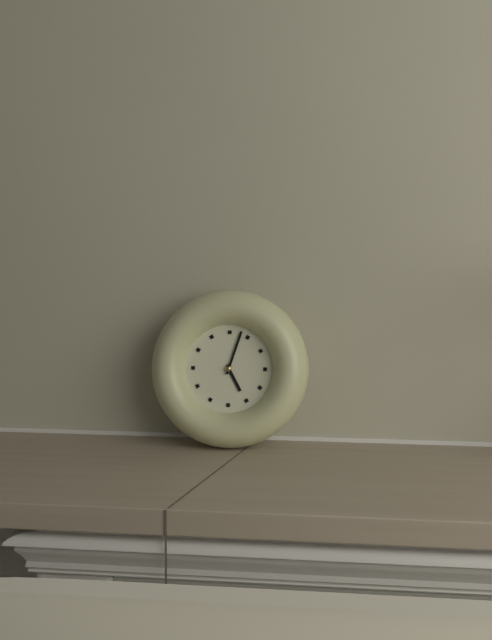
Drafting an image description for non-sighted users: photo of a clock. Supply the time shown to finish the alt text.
5:03
